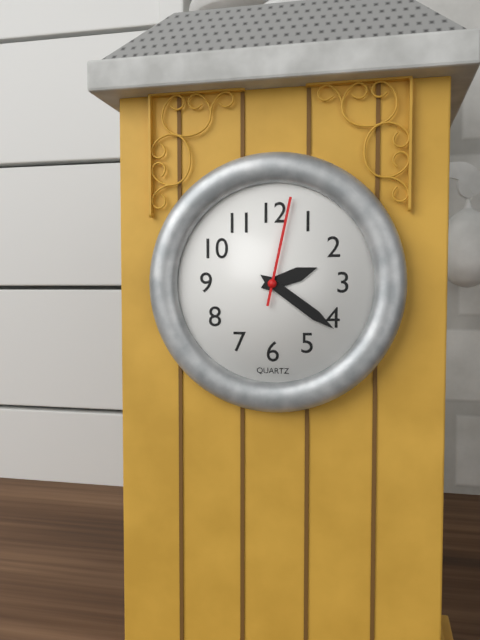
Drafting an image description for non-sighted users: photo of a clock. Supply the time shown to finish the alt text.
2:21:02
